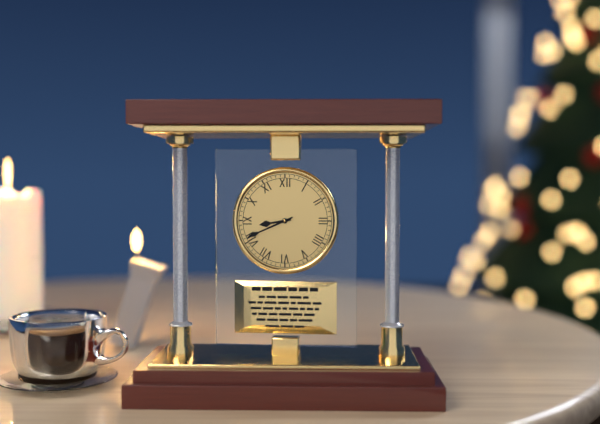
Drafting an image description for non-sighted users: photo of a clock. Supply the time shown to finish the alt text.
8:41
